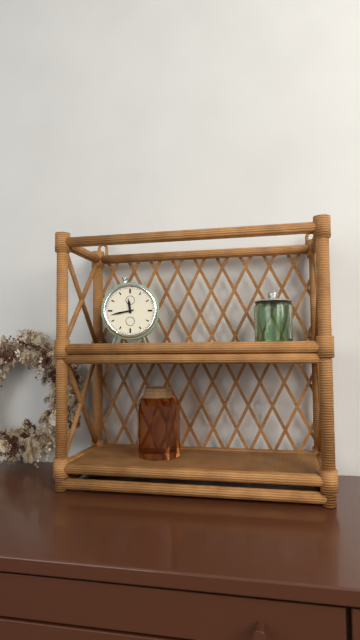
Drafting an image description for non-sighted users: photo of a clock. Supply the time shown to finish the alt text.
11:43
